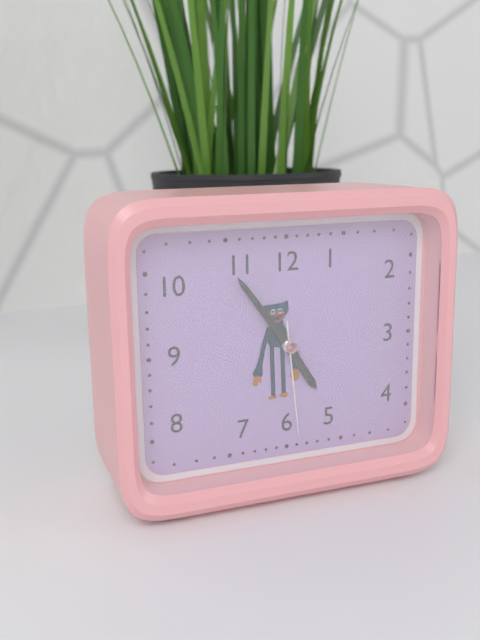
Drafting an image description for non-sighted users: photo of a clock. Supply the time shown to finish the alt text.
4:54:29
